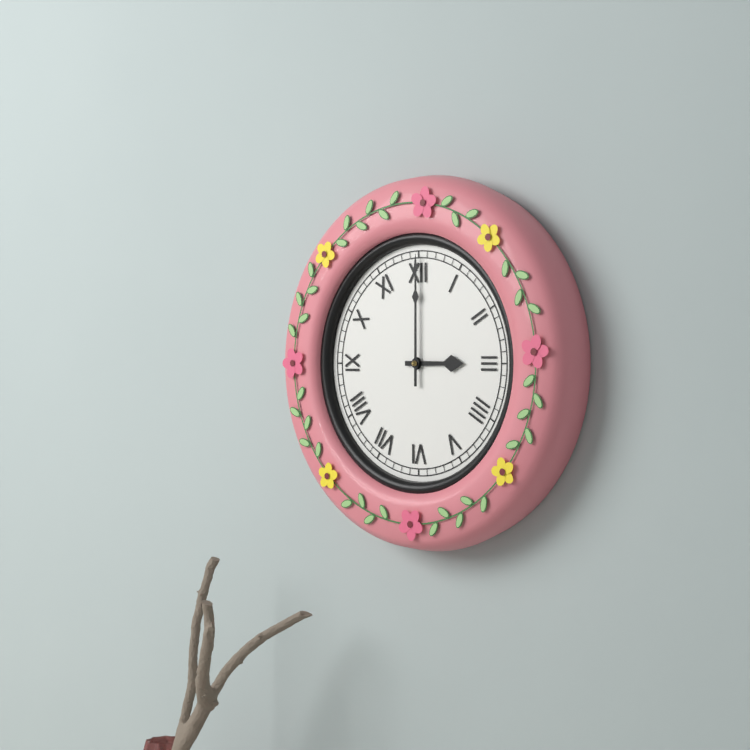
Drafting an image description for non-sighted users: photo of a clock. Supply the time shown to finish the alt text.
3:00
